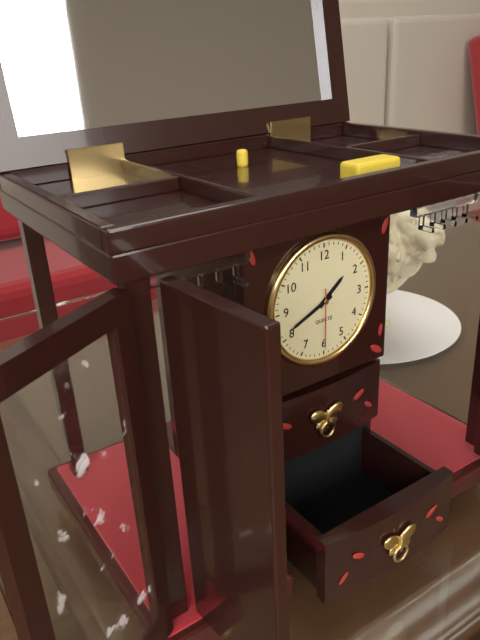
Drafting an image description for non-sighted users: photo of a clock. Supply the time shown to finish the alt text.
1:41:30
